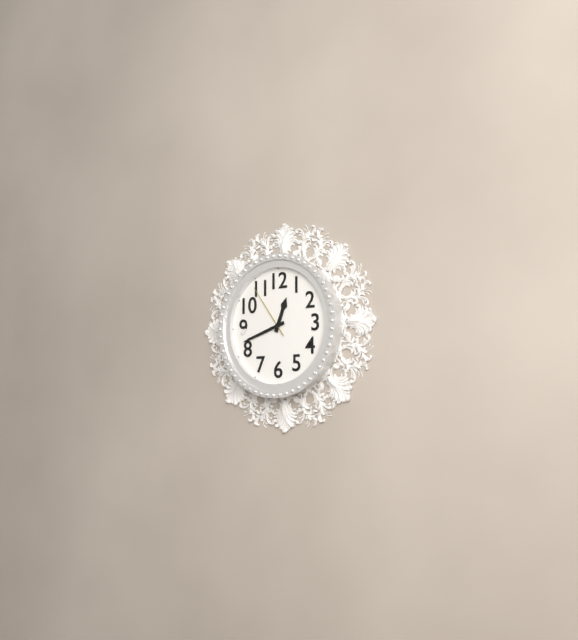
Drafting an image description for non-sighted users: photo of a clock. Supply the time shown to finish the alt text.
12:42:54
